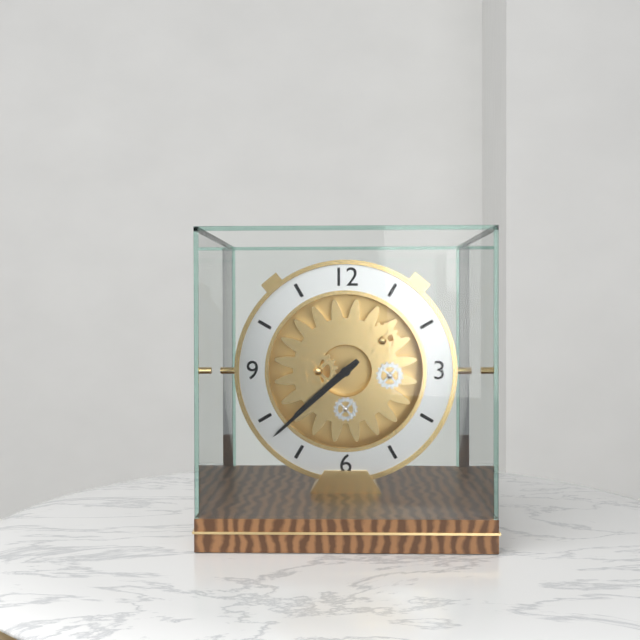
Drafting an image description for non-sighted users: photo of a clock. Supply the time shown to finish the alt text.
7:38
